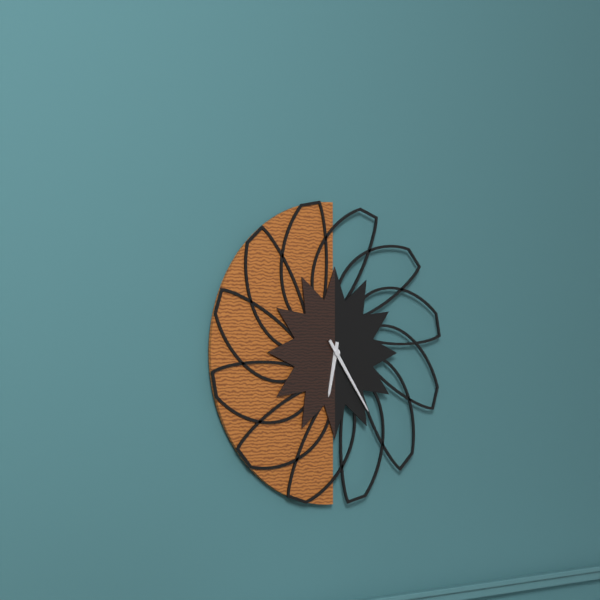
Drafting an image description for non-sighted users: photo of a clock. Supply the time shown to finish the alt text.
6:24
